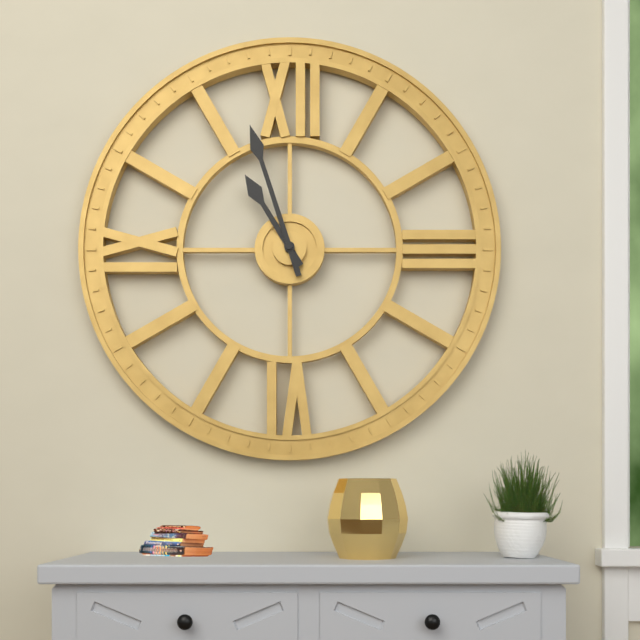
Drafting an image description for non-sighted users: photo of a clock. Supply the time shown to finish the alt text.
10:57
